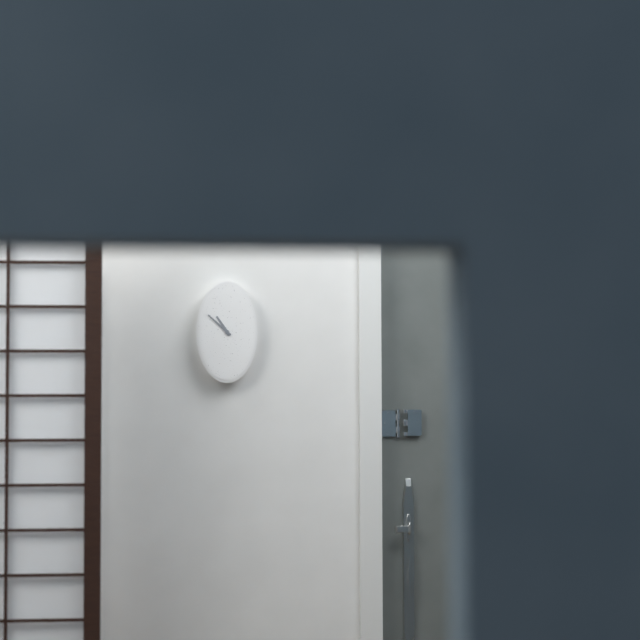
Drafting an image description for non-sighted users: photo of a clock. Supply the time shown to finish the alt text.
10:52
